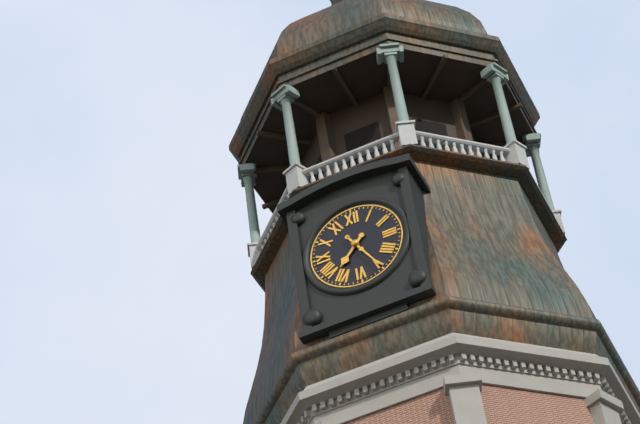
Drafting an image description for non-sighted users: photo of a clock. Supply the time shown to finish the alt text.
7:25
